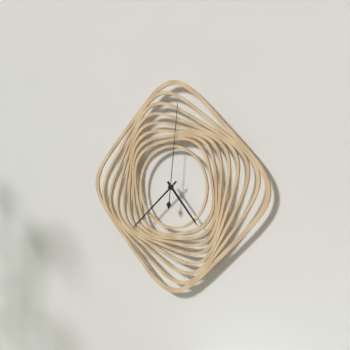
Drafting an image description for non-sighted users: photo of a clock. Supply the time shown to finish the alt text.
4:38:01
